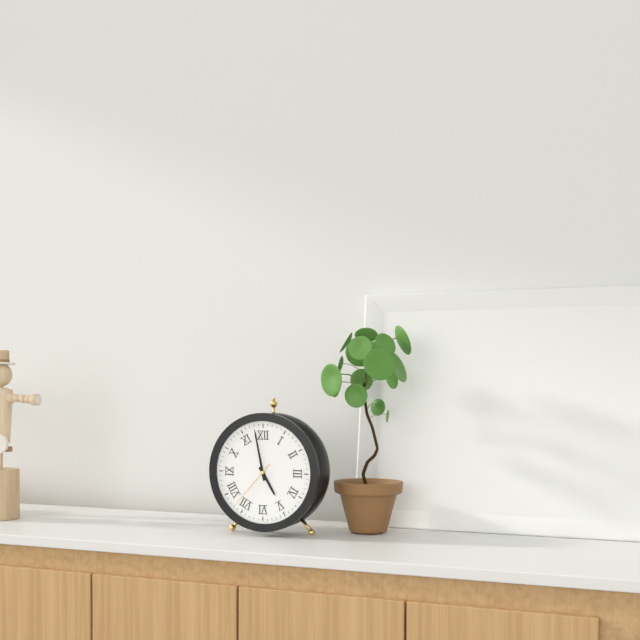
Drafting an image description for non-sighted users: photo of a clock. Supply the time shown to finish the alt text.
4:58:37
